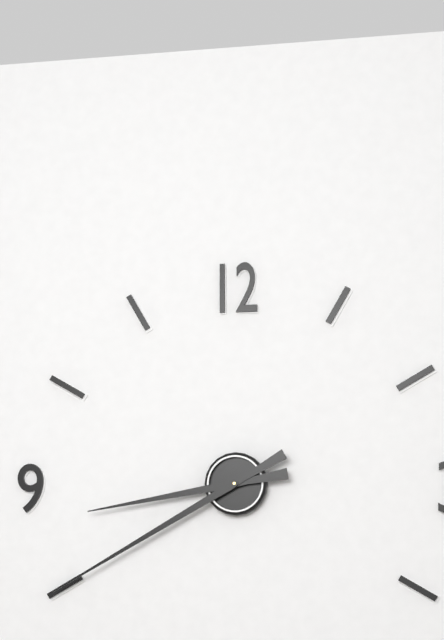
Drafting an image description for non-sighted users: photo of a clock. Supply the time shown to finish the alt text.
8:40
